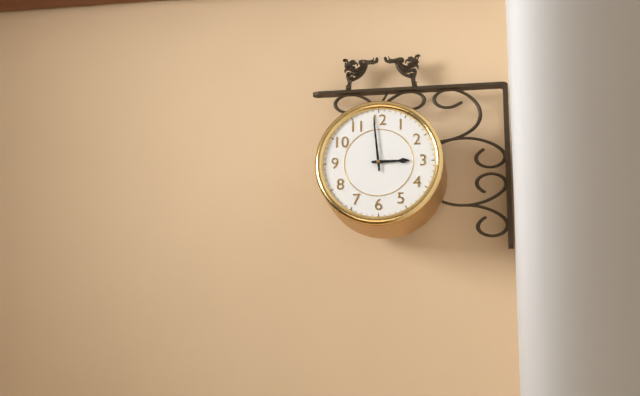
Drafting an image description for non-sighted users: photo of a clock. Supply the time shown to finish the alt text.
2:59
